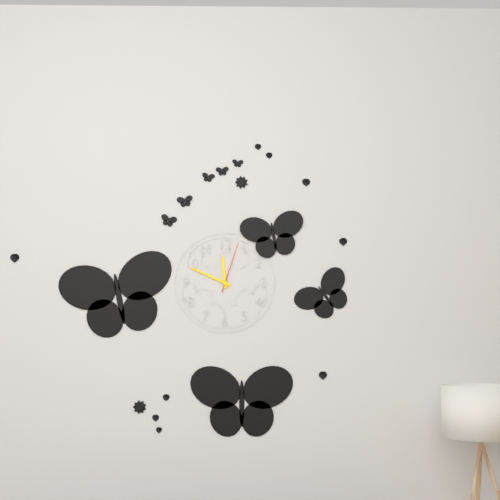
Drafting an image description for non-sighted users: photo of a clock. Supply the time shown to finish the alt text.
11:49:03
